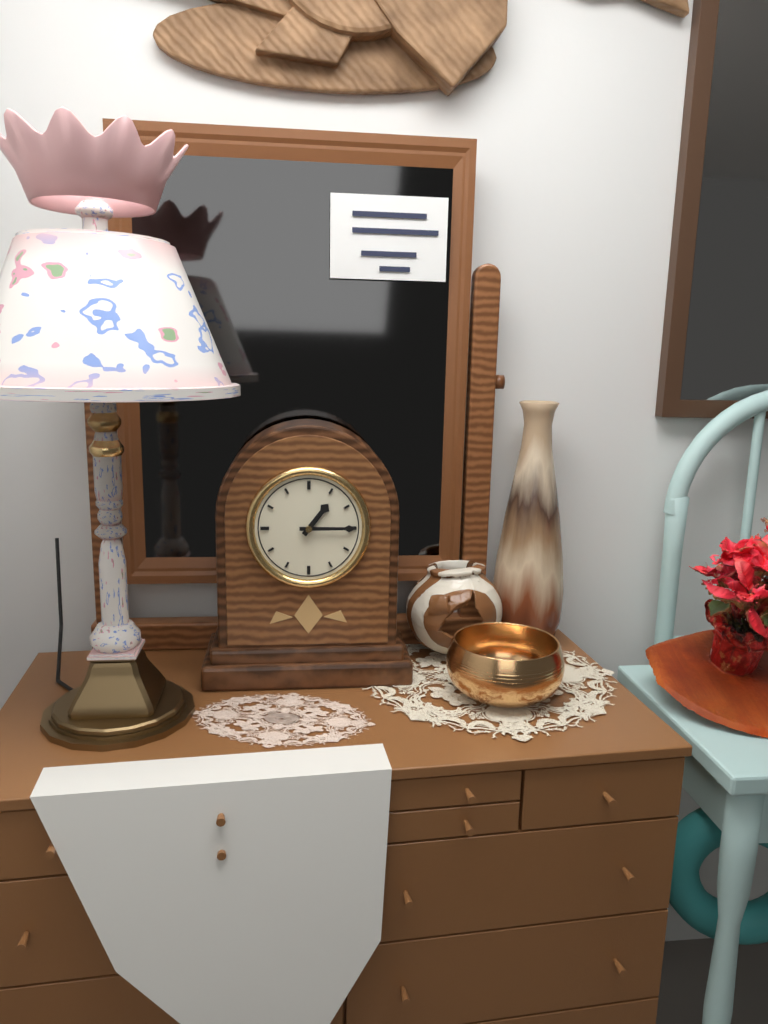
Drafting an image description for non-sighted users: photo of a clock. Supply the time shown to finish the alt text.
1:15
